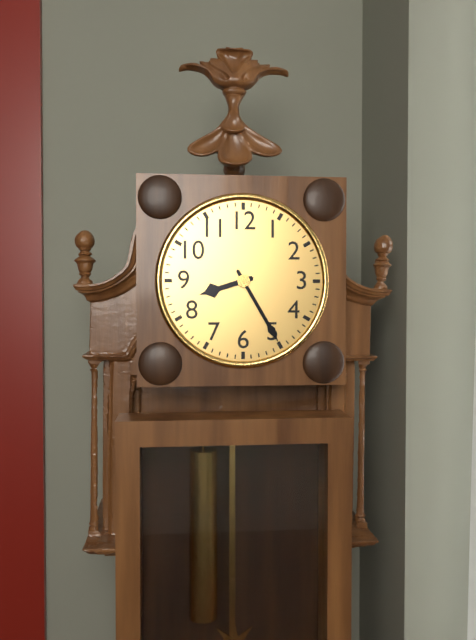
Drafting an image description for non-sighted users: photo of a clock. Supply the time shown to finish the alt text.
8:25
